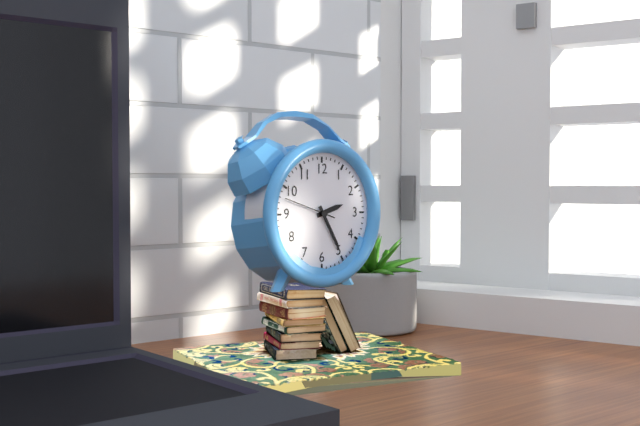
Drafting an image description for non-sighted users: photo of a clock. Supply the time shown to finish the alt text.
2:25:48
